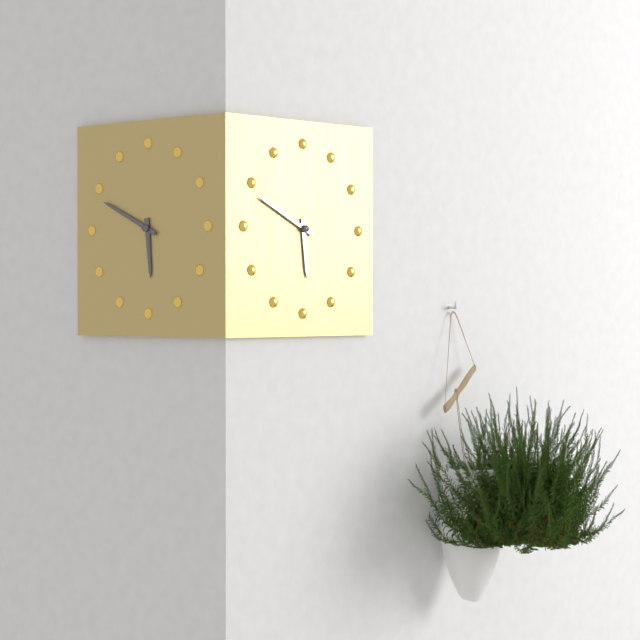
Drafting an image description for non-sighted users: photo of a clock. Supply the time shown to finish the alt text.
5:49
